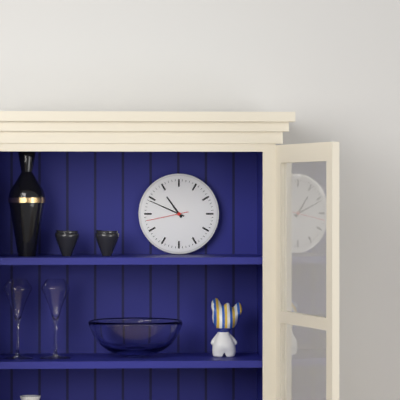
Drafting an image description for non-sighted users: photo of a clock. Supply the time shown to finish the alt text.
10:49
